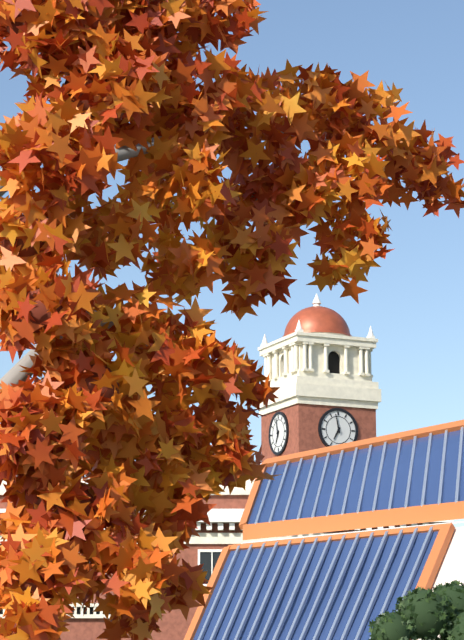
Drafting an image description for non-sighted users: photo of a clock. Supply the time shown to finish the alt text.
6:58
